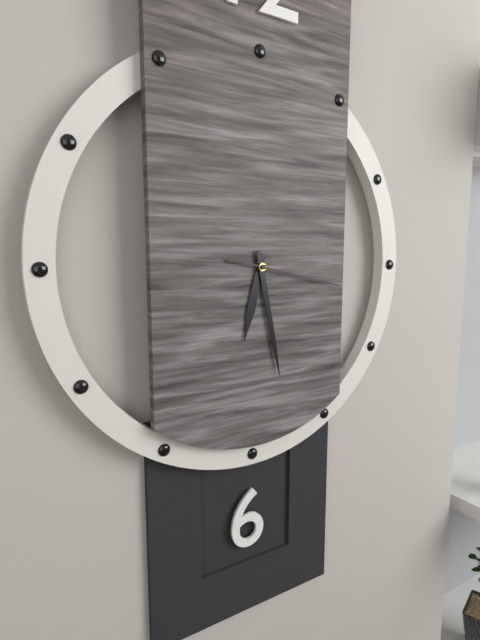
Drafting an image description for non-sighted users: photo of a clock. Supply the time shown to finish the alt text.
6:28:17
